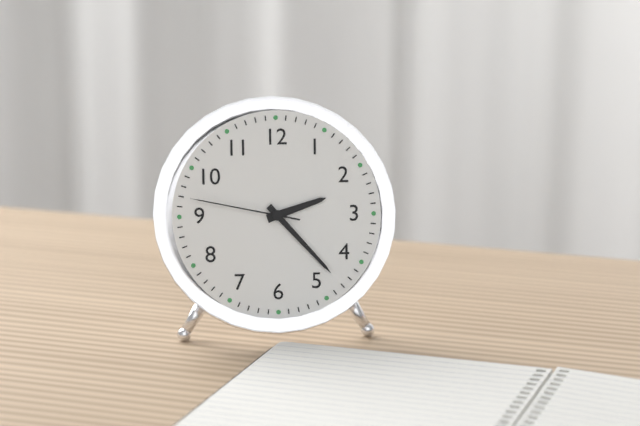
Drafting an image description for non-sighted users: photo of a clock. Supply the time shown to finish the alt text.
2:23:47
